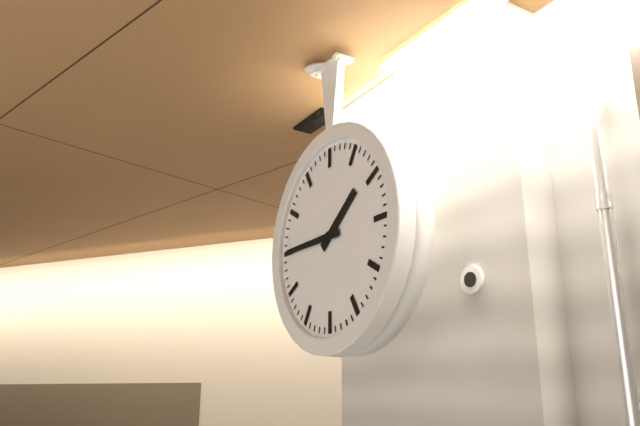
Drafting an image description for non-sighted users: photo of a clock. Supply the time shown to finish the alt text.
1:45
